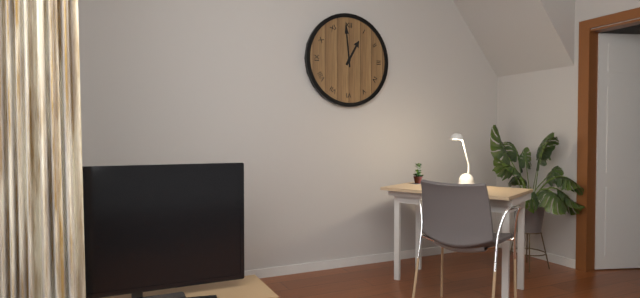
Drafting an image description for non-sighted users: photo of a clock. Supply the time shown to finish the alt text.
12:59
